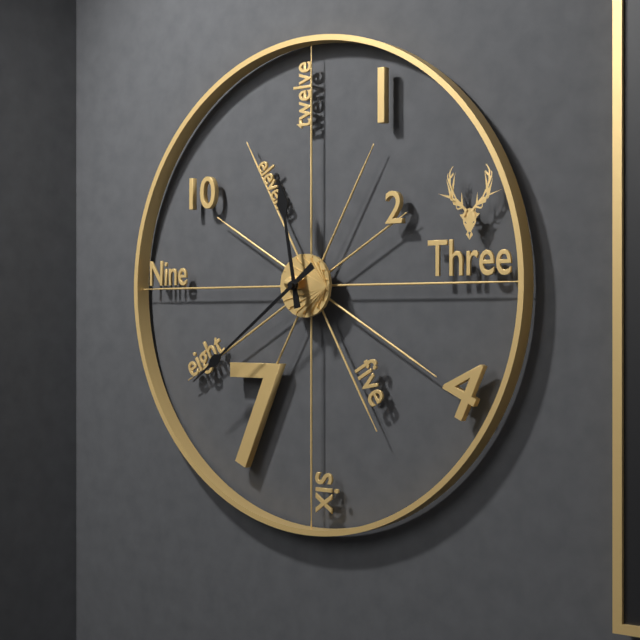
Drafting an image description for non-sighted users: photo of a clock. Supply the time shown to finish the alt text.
11:39
